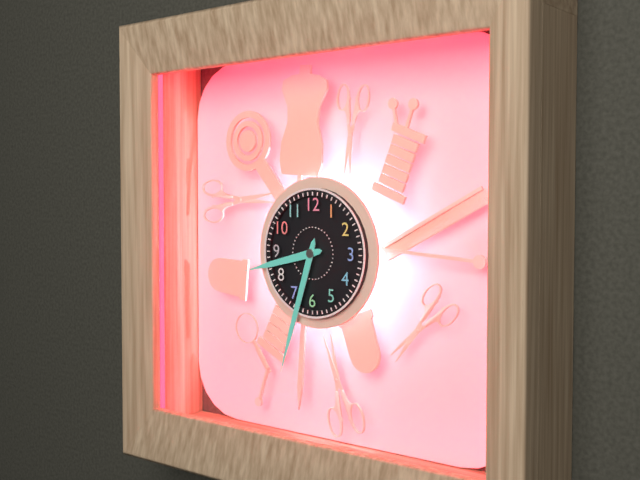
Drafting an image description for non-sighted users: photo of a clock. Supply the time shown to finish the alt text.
8:33
